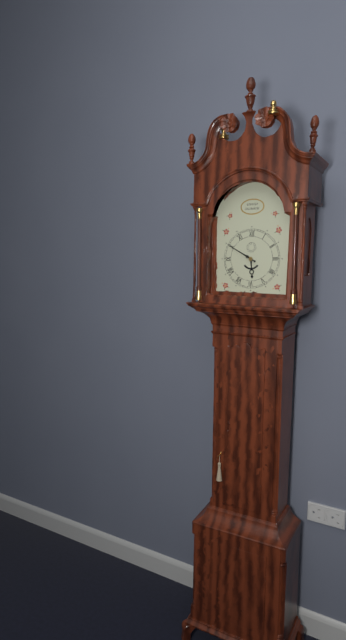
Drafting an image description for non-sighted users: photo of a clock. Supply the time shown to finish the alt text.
5:50
